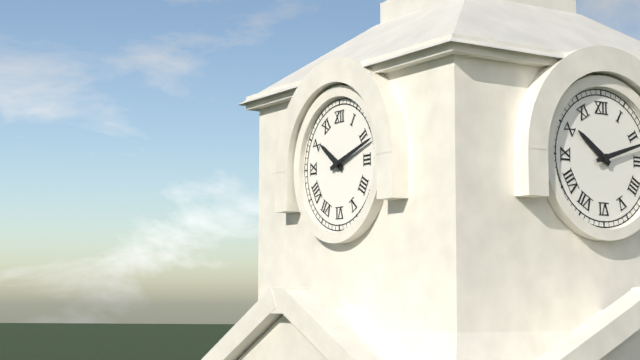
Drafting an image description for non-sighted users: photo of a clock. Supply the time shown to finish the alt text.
10:12
